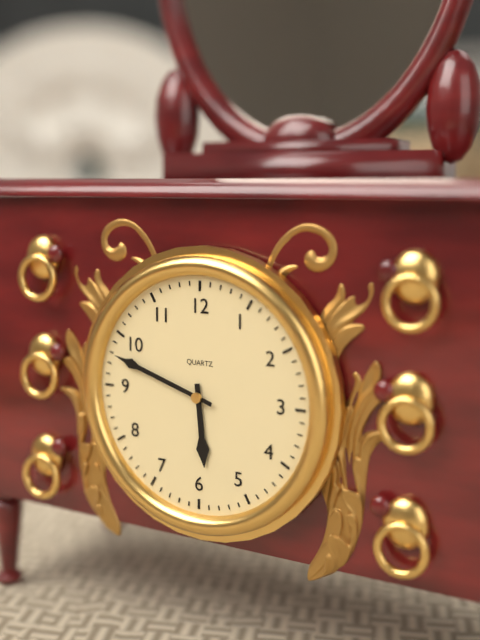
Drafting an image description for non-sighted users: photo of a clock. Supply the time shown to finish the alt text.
5:48
